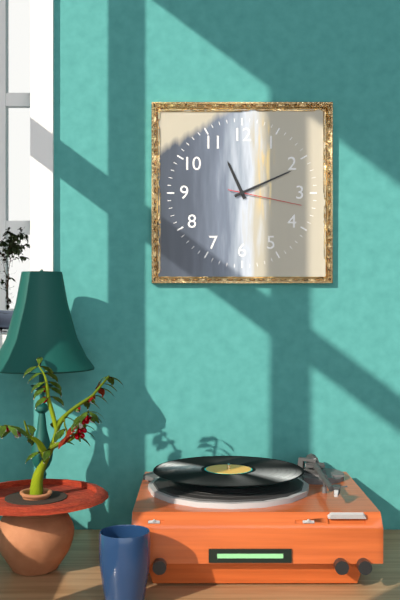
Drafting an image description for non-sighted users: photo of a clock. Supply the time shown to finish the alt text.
11:11:17
